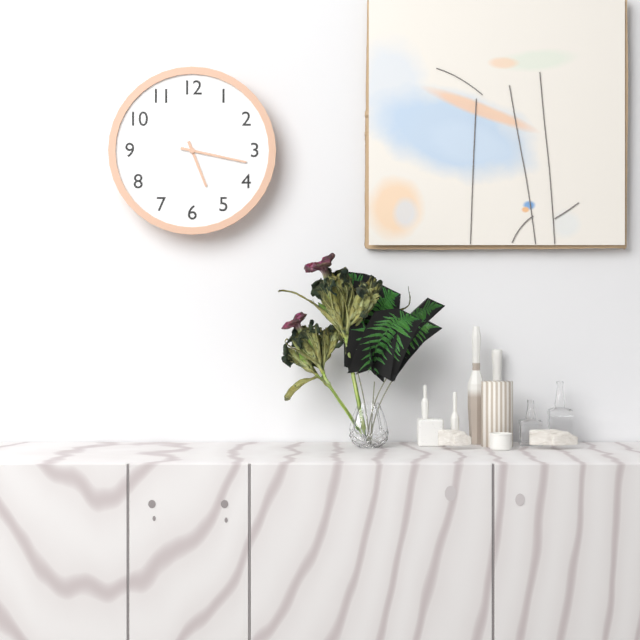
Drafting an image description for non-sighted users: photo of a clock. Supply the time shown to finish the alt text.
5:17
